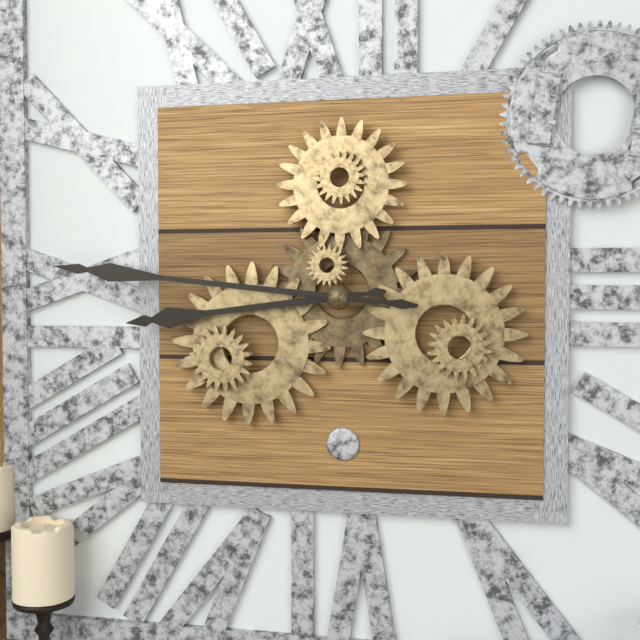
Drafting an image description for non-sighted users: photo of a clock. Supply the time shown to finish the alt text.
8:46
